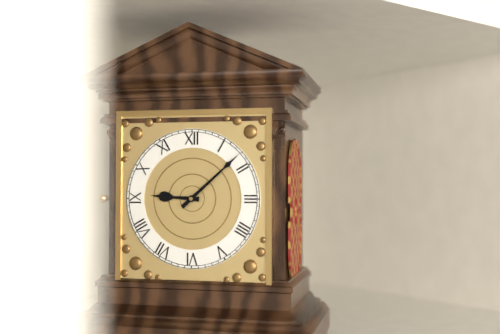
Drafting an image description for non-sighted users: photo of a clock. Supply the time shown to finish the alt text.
9:08
